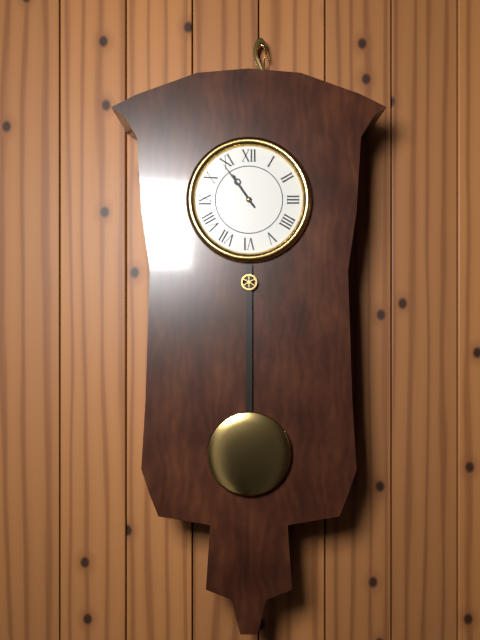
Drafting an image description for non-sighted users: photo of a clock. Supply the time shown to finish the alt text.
10:54
